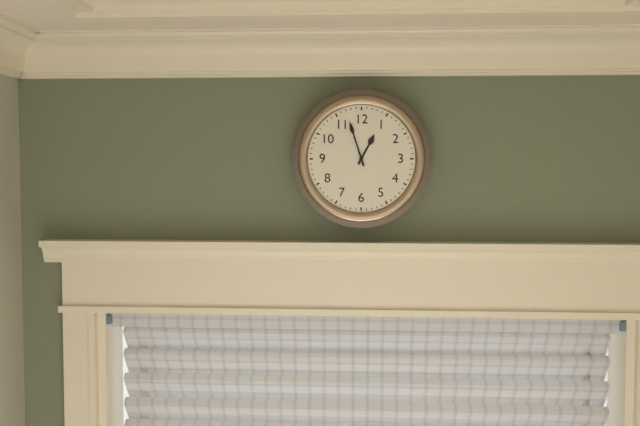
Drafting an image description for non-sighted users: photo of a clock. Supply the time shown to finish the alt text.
12:57
